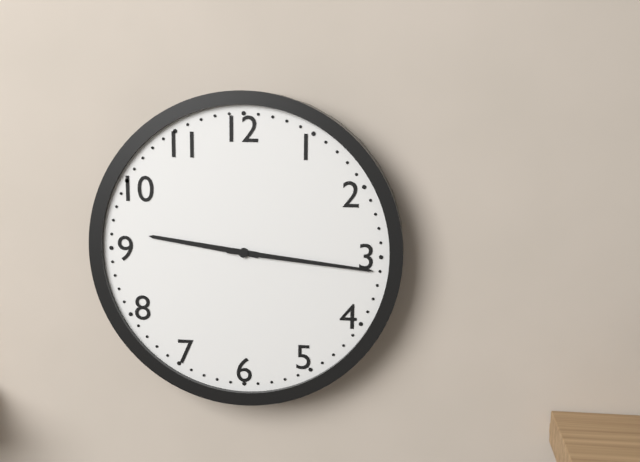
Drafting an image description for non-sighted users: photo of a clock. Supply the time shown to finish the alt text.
9:16
